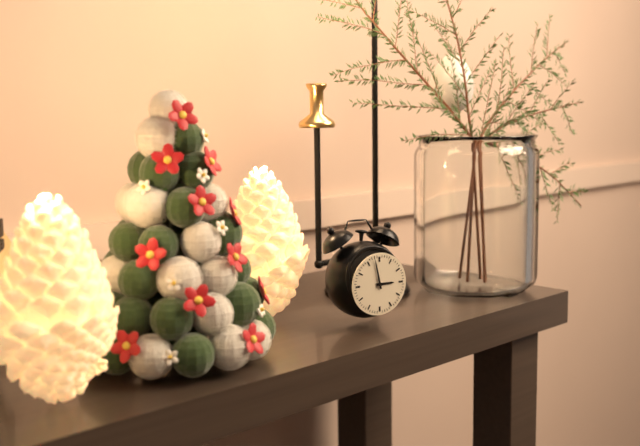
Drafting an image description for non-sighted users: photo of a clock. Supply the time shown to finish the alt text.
2:58
